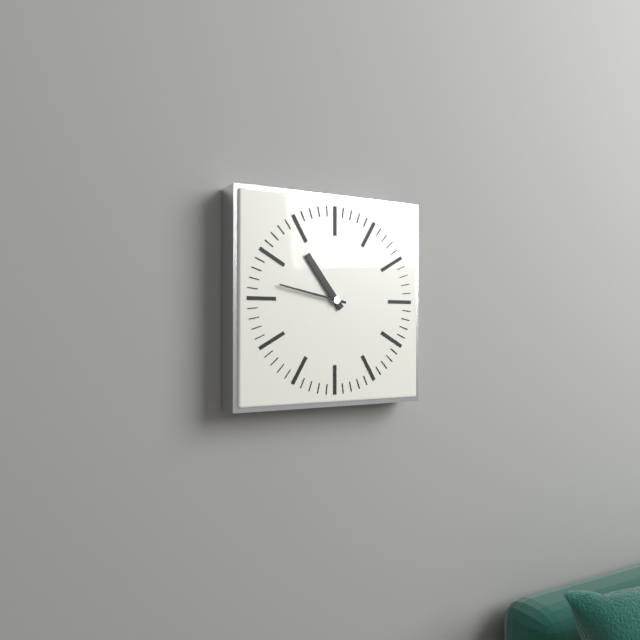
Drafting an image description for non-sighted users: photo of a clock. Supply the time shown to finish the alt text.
10:47
